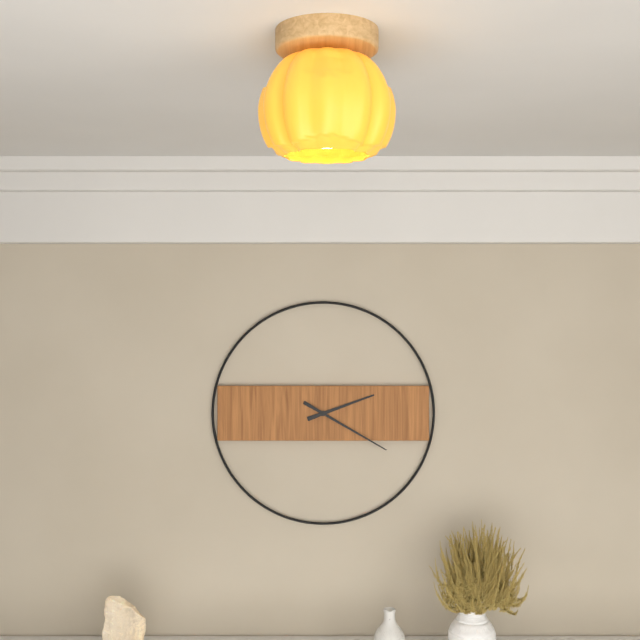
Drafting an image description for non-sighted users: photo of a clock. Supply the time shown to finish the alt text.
2:20
